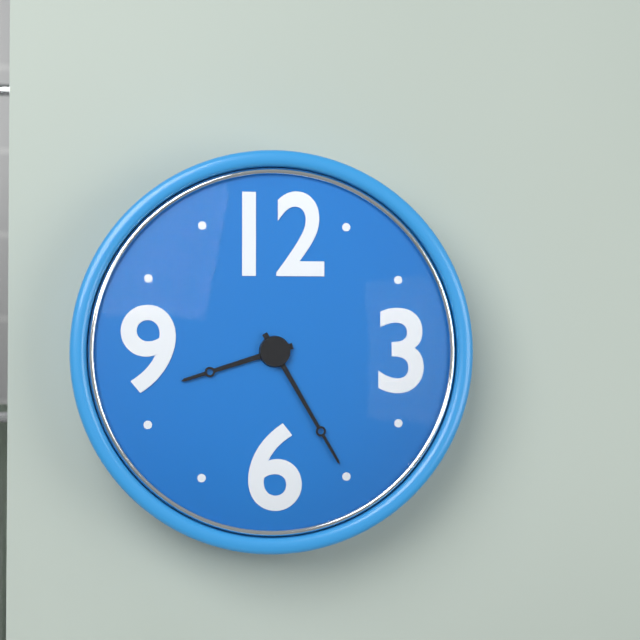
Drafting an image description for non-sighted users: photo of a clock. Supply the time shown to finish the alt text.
8:25
